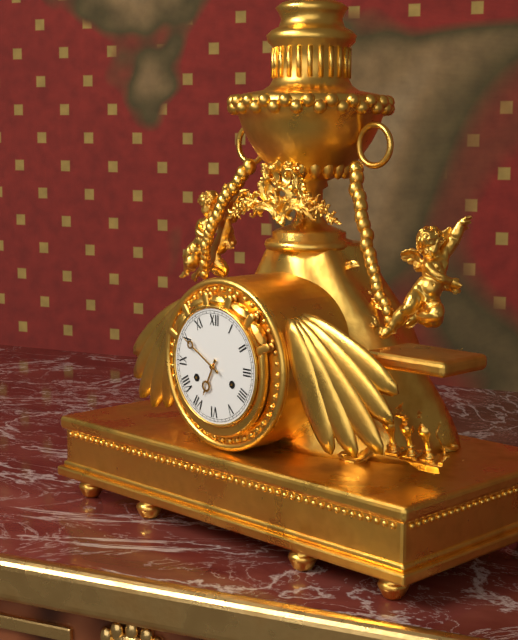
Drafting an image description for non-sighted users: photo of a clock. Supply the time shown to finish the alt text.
6:50
